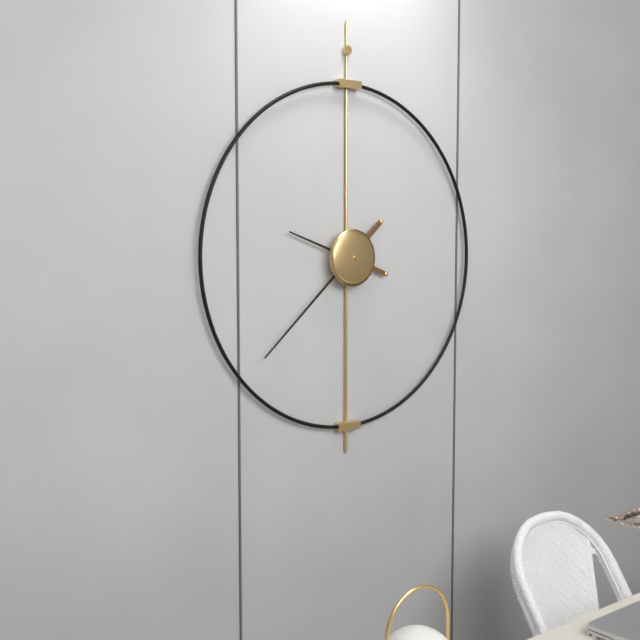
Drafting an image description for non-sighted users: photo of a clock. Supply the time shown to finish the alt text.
9:38
